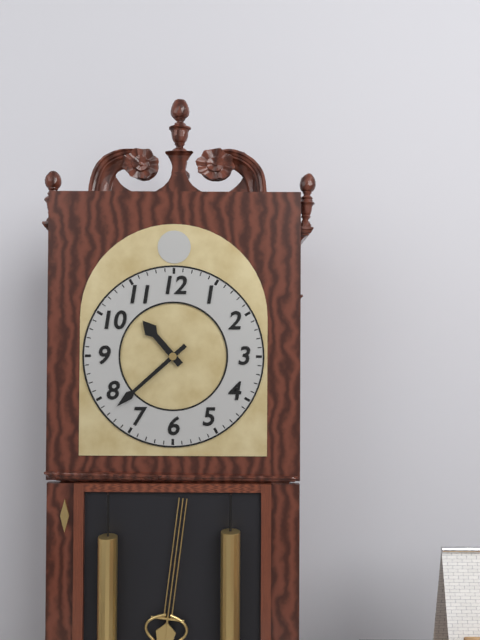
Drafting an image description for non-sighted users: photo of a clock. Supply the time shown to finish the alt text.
10:38
